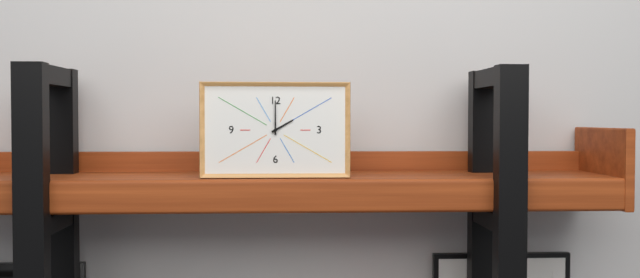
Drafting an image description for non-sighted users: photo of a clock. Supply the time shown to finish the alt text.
2:00
